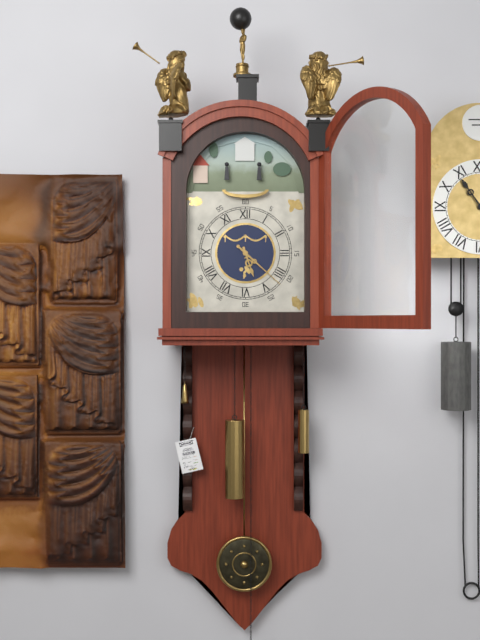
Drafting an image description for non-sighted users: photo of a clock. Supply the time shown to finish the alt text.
5:22
